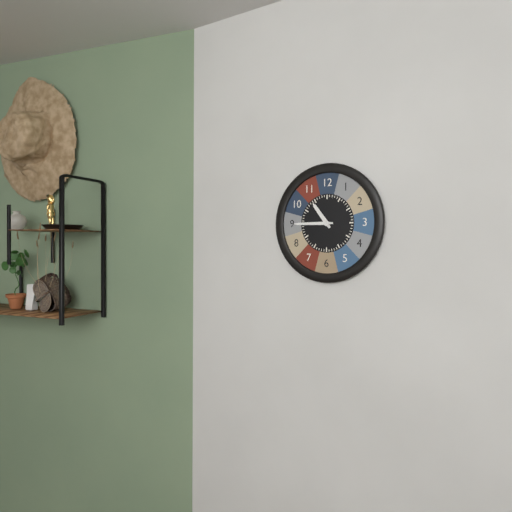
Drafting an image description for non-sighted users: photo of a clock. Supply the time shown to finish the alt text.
10:45
